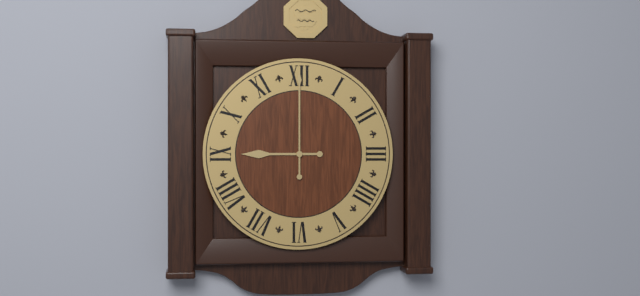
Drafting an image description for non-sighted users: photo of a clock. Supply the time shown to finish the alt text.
9:00
